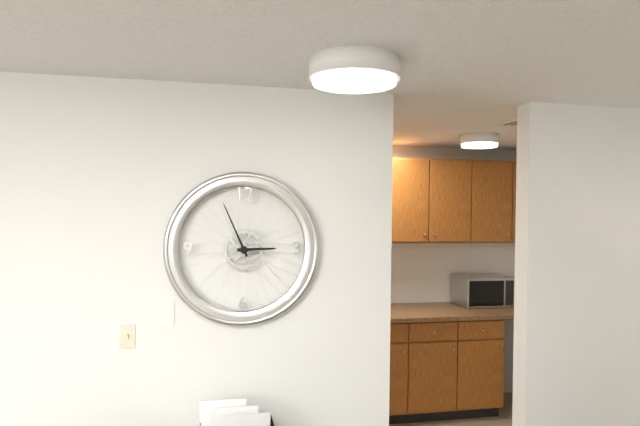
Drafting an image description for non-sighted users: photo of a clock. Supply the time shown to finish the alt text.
2:56
